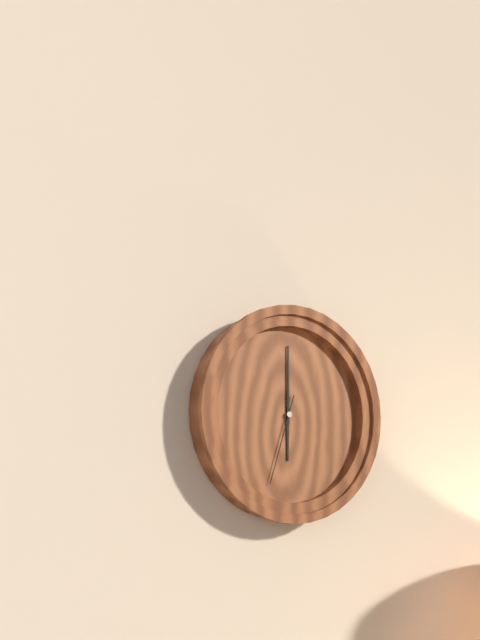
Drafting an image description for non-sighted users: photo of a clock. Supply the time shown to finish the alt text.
6:00:33
